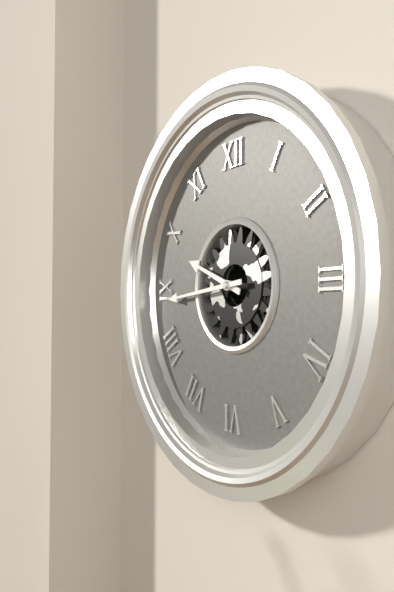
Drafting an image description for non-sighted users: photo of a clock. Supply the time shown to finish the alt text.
9:44
